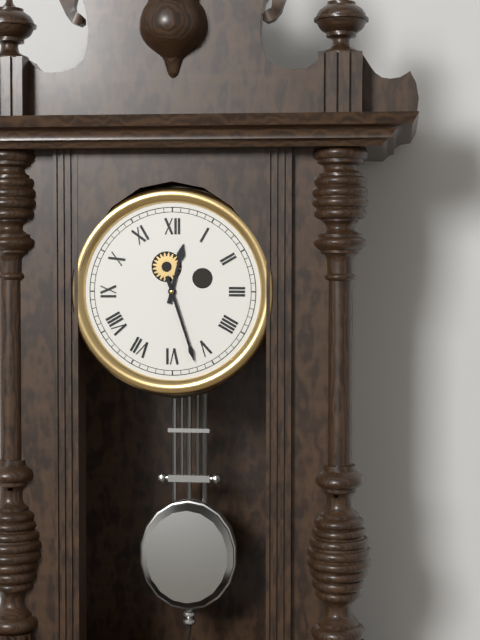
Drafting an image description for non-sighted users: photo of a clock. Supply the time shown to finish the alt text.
12:27
